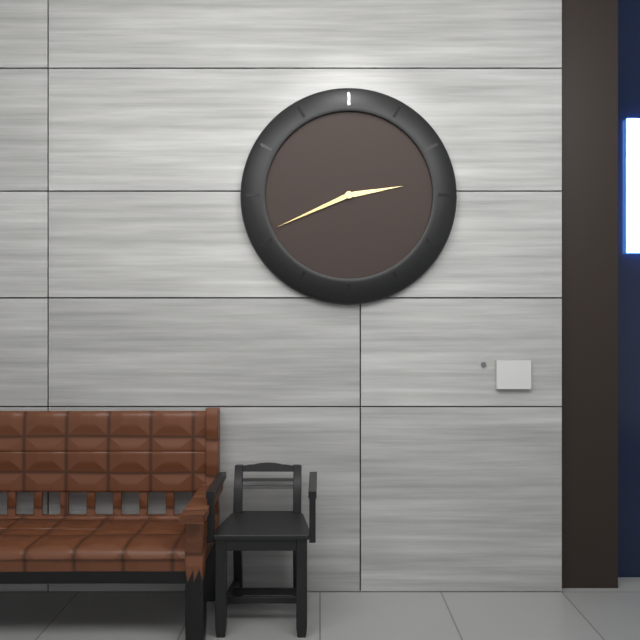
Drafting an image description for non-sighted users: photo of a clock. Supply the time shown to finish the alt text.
2:41
